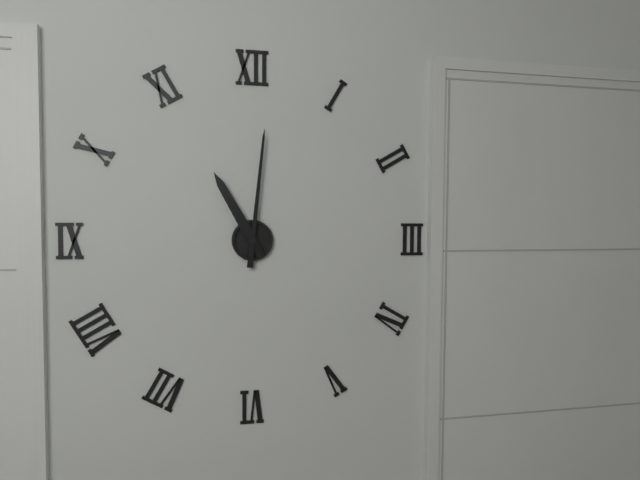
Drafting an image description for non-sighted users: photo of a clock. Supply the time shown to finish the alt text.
11:01
